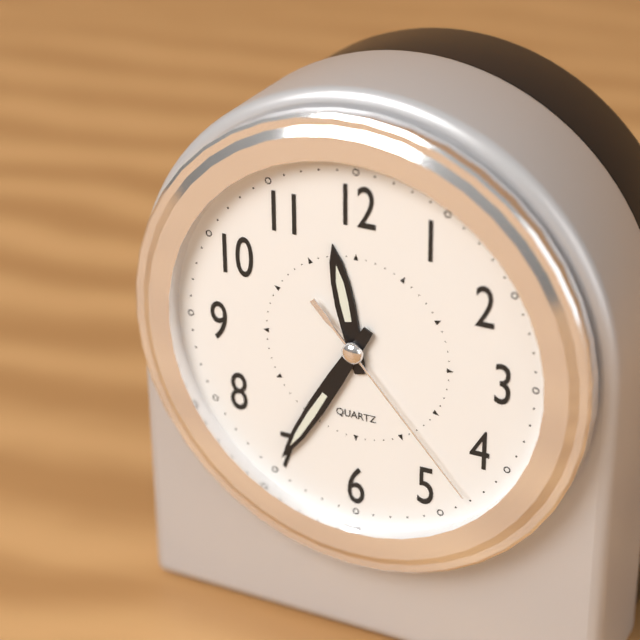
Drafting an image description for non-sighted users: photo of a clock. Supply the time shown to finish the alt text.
11:35:23
